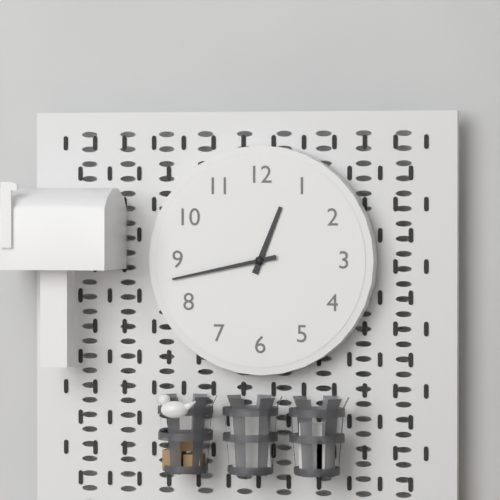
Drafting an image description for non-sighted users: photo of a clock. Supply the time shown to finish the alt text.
12:43
